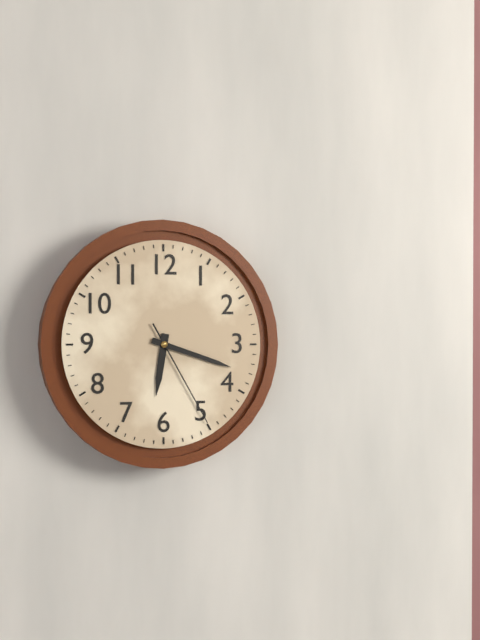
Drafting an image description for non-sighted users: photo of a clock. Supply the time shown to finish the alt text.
6:18:25
